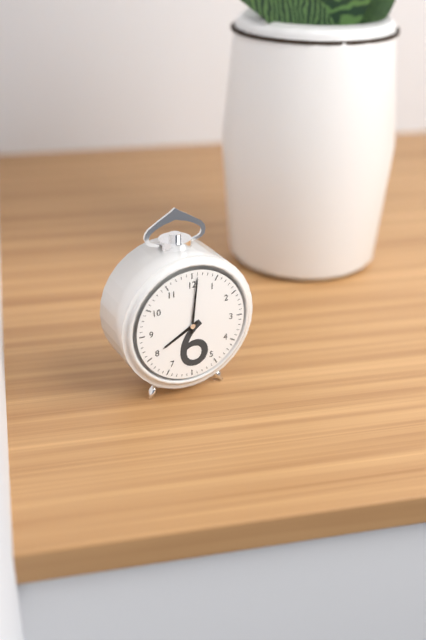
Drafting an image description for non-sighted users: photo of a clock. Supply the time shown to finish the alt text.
8:01
